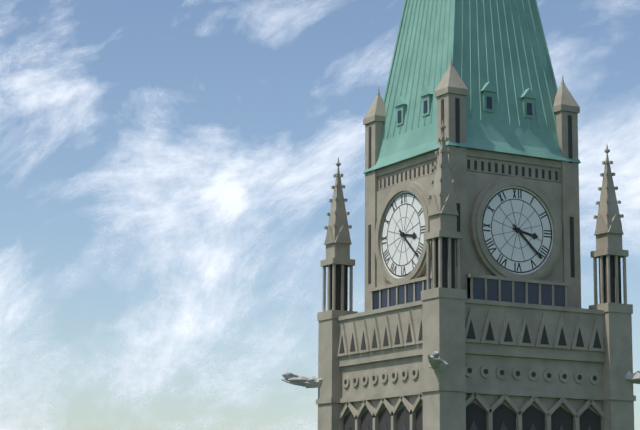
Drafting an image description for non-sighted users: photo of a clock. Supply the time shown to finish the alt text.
3:22
